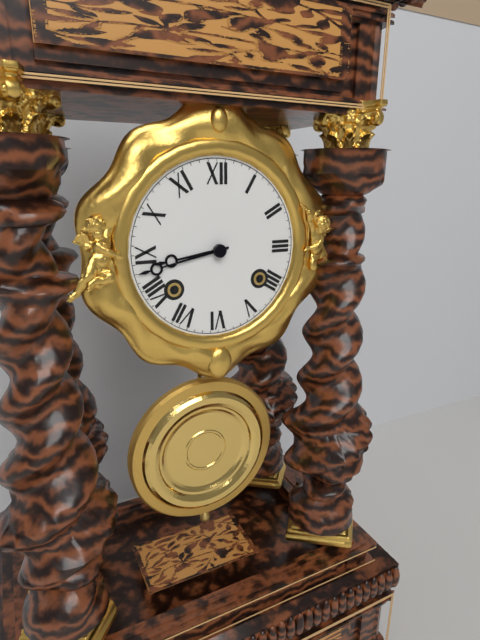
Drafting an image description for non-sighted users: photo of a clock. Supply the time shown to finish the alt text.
8:43
